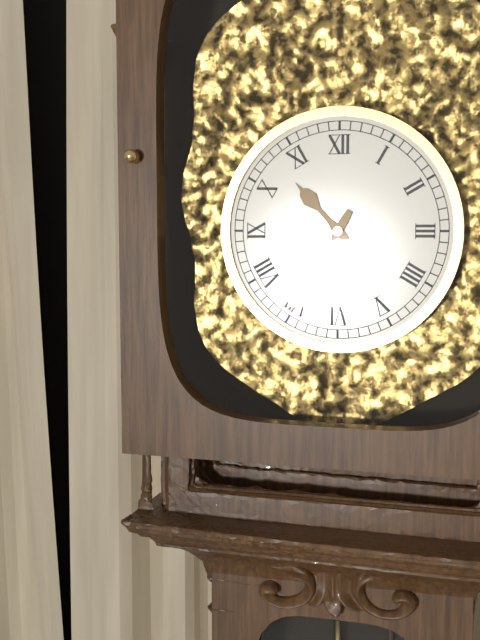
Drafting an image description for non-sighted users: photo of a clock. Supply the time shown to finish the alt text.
10:35
